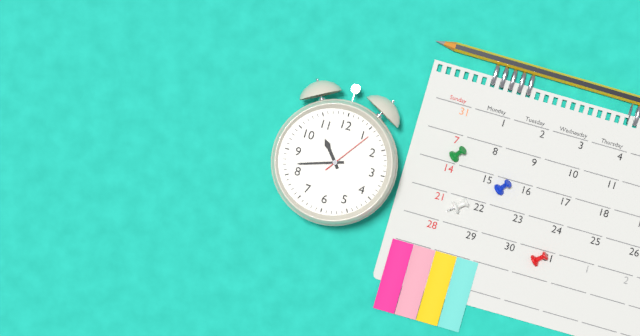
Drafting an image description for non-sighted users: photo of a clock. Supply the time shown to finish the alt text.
10:42:06
